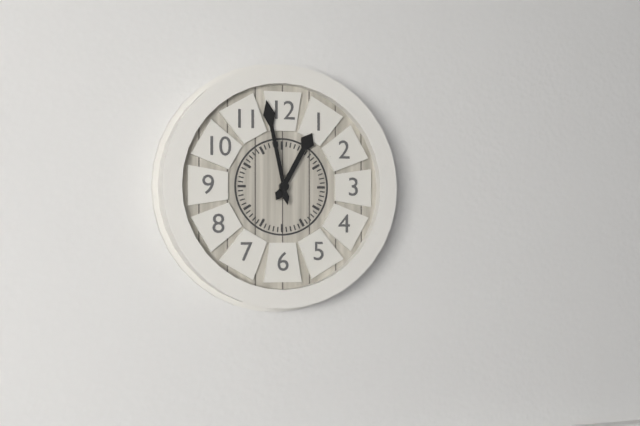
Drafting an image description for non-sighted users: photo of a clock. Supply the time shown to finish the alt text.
12:58
